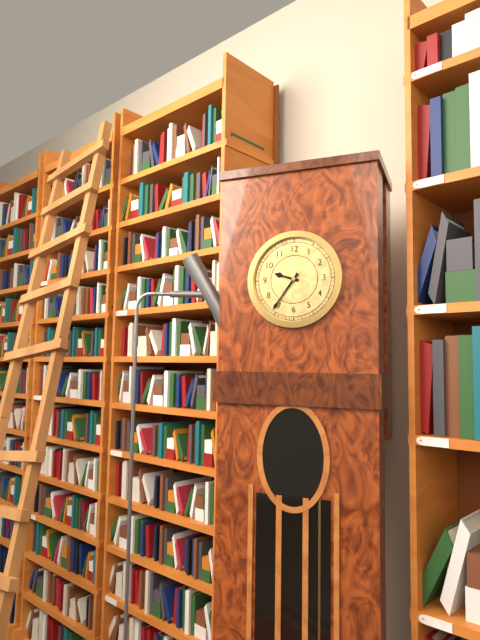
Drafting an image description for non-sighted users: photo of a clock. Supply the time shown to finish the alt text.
9:36
